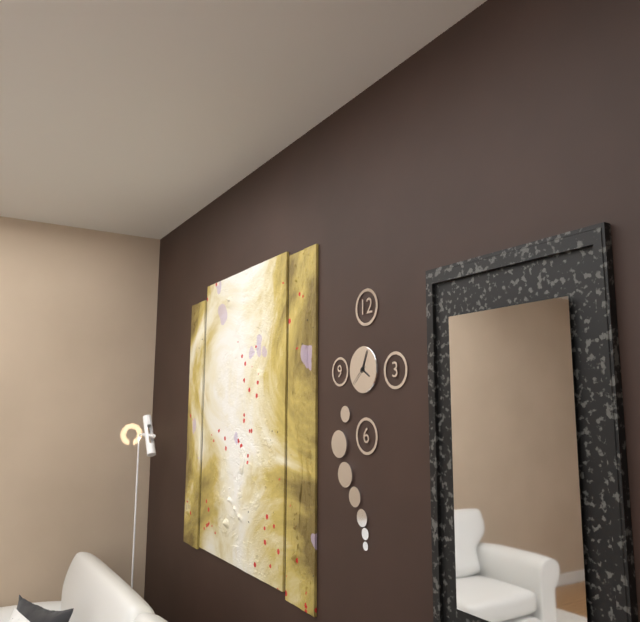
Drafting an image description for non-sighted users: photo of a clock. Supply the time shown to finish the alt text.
4:04
